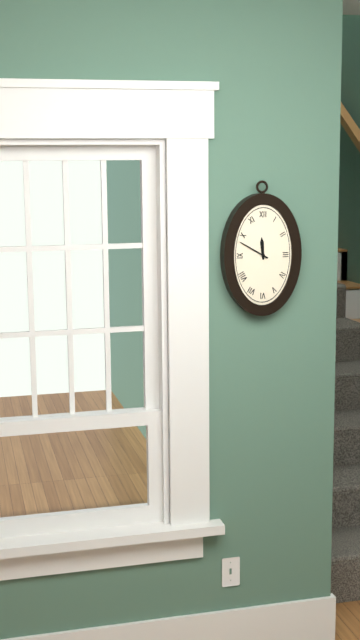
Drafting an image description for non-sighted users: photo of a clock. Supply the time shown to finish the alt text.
11:50
